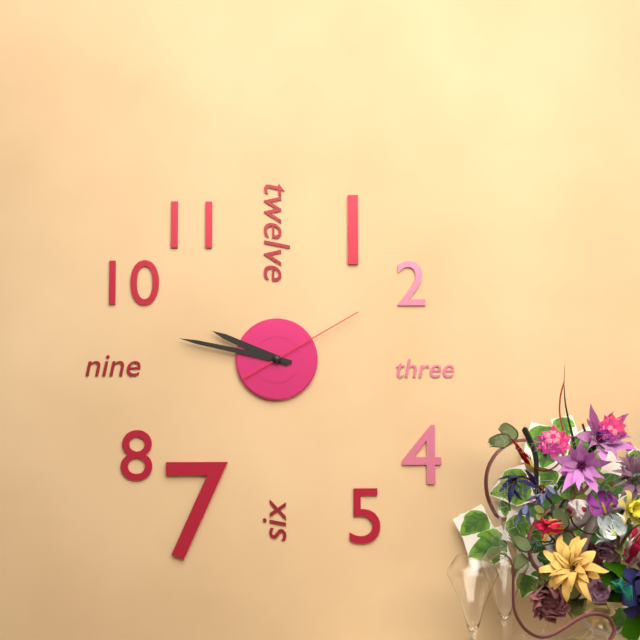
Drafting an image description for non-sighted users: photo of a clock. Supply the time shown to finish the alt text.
9:47:10
